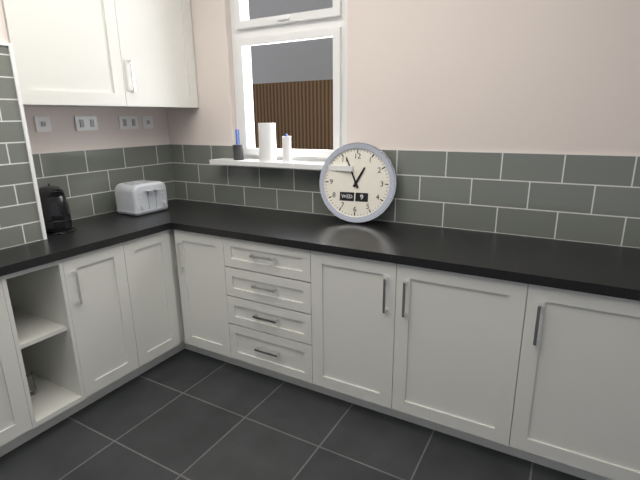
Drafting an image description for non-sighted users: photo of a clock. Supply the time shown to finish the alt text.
12:56
